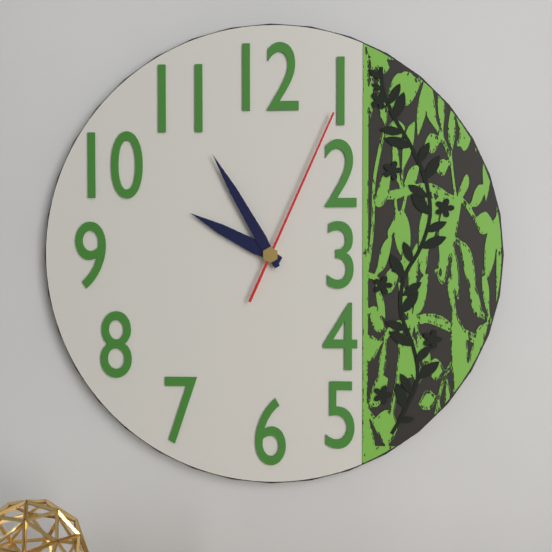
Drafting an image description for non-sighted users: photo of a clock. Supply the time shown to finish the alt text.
9:55:04
